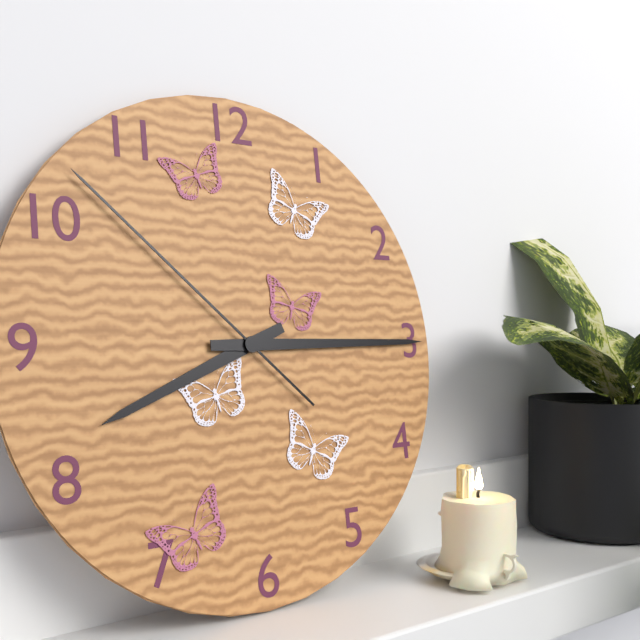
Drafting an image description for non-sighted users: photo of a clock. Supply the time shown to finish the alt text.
8:15:52
